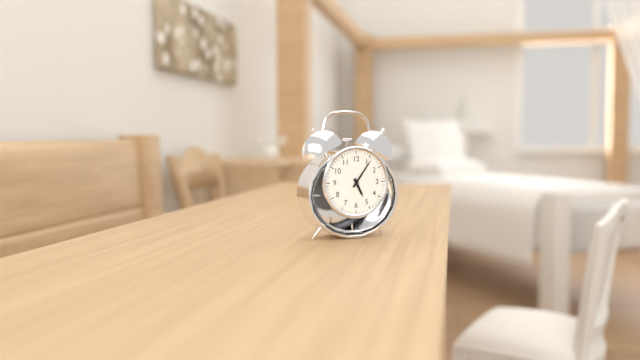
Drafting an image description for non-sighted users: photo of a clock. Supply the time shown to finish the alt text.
5:06
